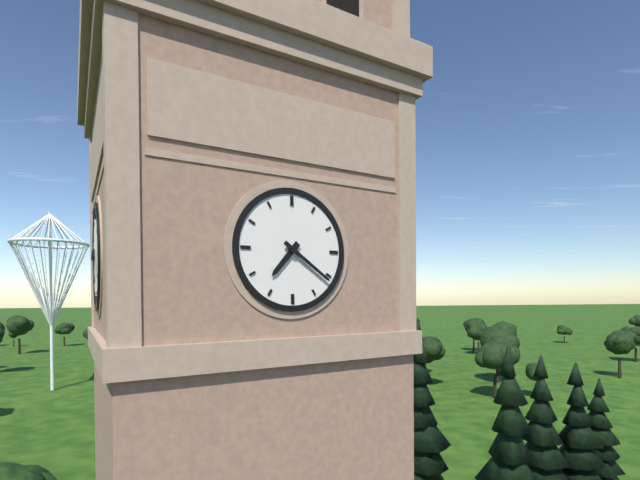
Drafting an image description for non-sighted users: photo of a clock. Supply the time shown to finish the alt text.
7:21
